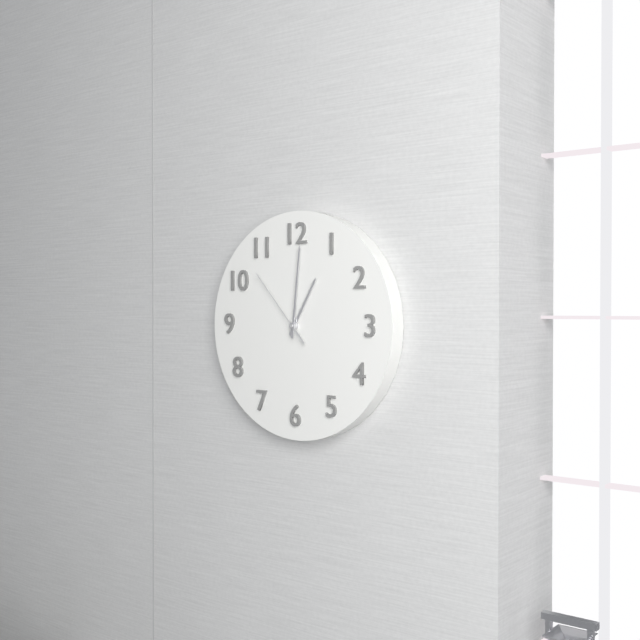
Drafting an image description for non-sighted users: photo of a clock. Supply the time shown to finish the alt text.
1:01:53
